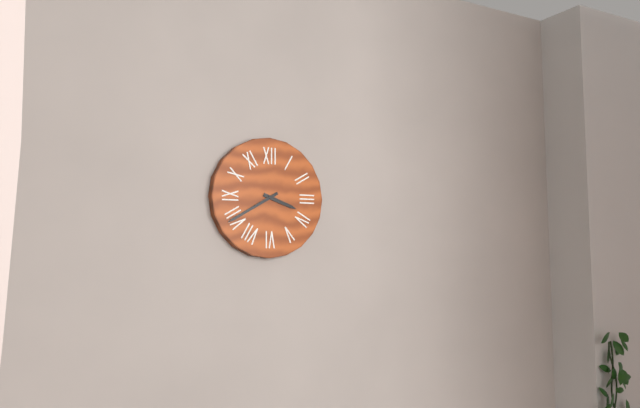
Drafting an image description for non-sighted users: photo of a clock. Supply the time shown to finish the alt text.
3:40
